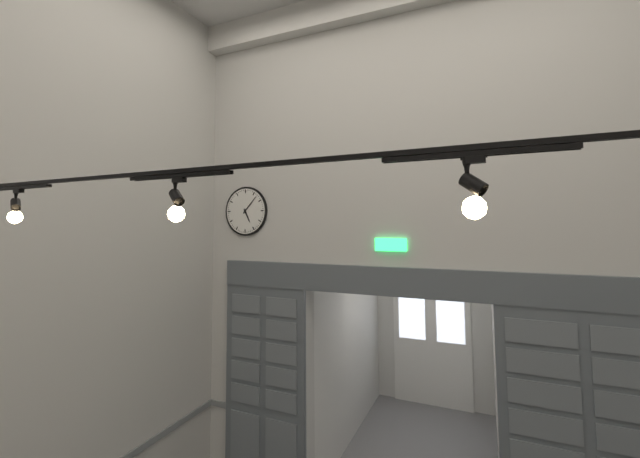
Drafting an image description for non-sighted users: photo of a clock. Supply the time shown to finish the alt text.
5:07
